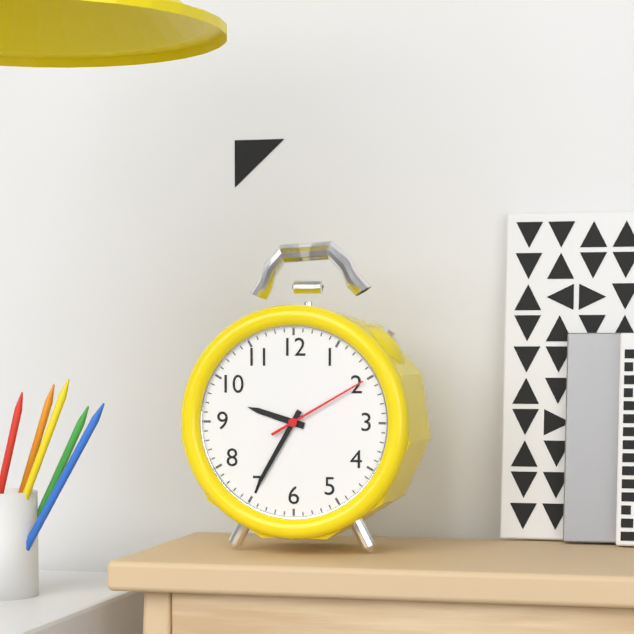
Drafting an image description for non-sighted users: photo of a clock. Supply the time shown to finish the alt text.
9:35:10
